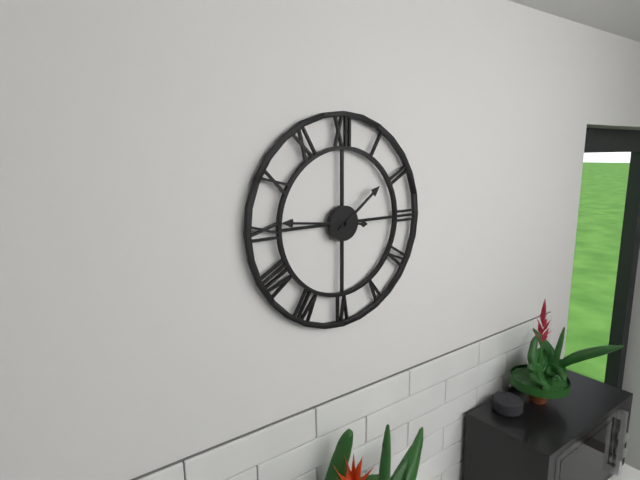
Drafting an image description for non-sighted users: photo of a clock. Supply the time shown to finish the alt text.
1:46
